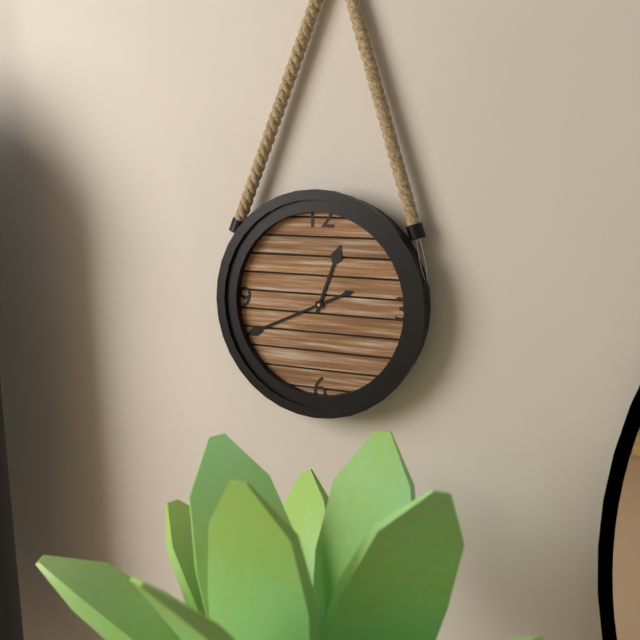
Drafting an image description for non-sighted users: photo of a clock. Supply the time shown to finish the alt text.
12:41
